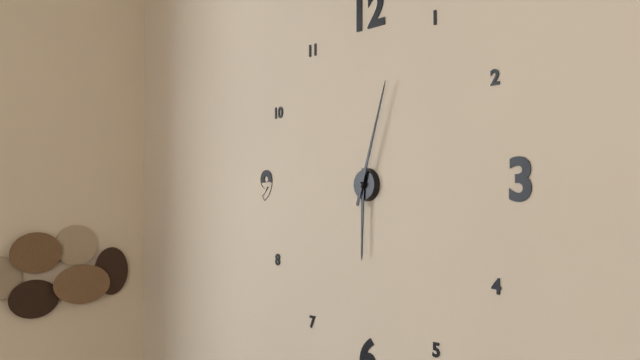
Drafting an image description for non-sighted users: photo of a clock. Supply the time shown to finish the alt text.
6:03
